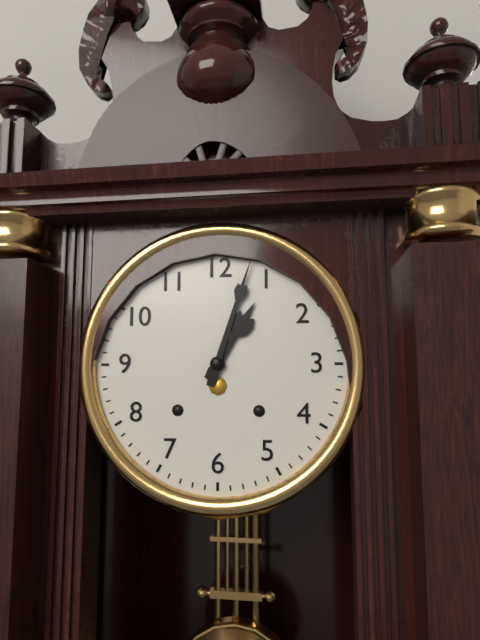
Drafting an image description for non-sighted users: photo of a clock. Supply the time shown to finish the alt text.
1:03
